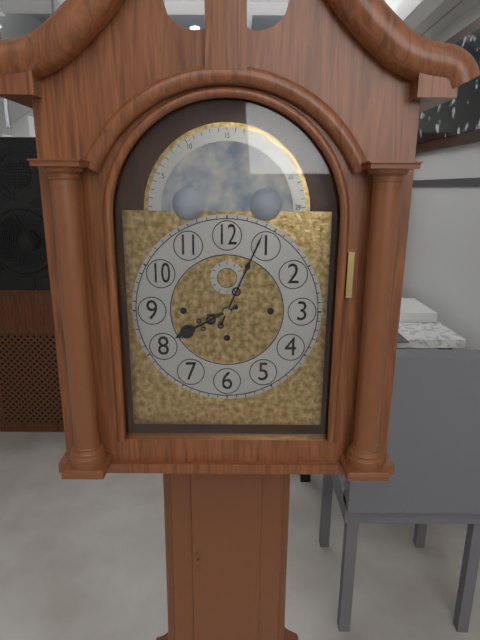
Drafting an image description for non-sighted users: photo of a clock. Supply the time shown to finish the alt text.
8:04
